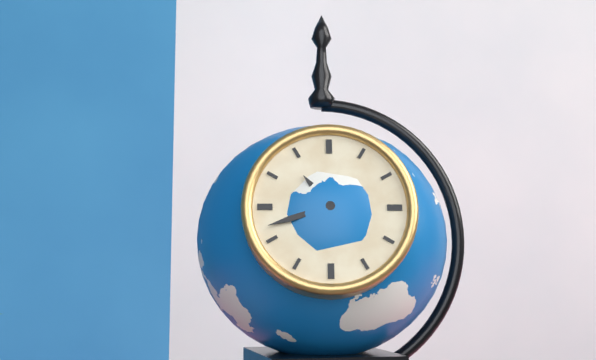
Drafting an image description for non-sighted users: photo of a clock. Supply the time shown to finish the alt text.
10:42
